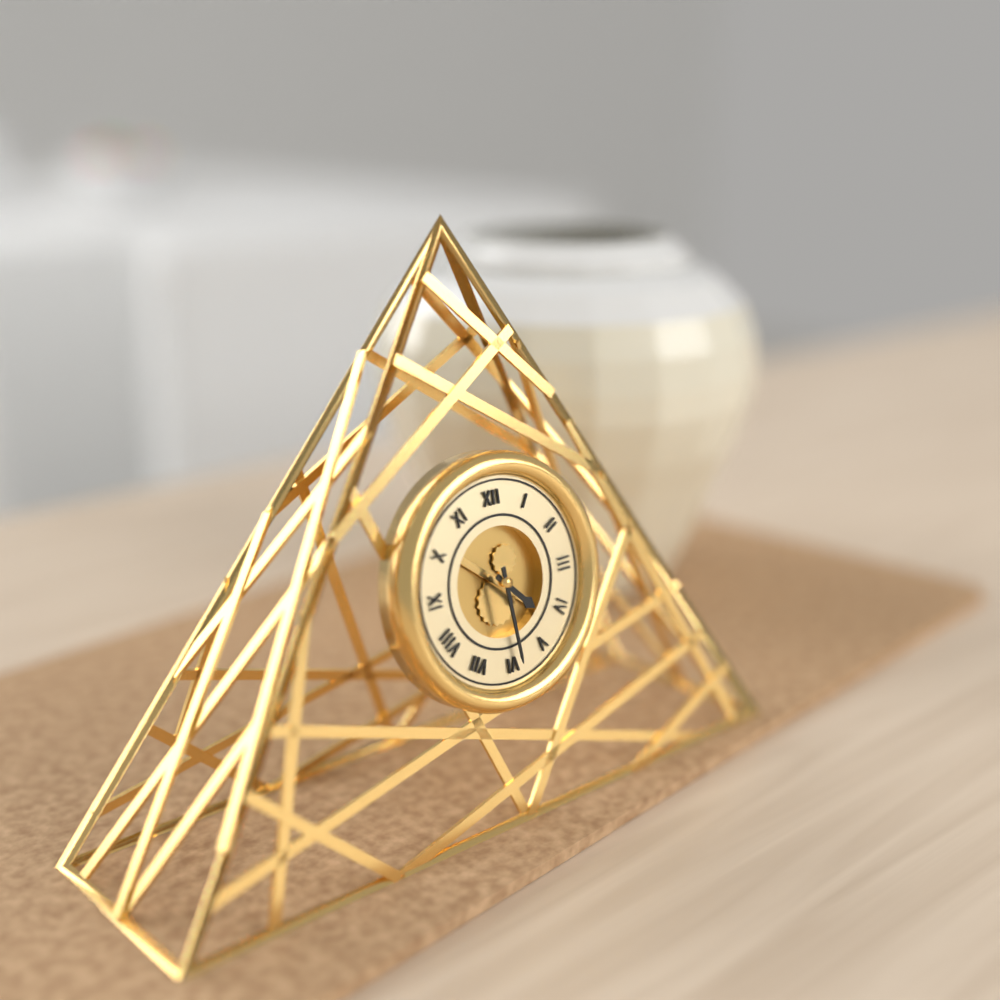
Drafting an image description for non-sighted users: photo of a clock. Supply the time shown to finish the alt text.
4:29
